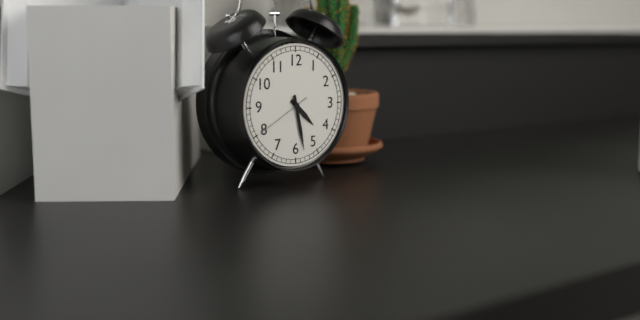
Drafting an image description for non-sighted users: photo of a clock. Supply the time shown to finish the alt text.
4:28:40
